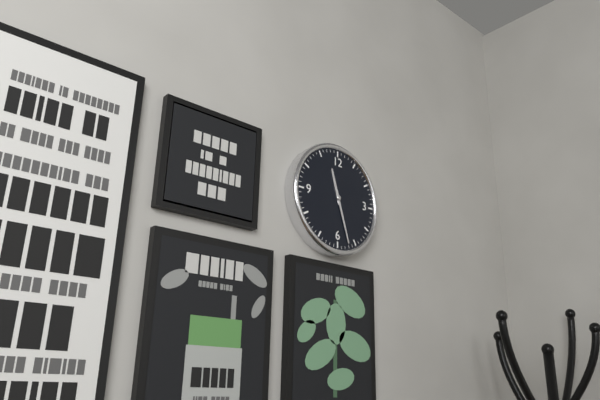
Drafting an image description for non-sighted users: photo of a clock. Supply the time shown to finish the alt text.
11:27
